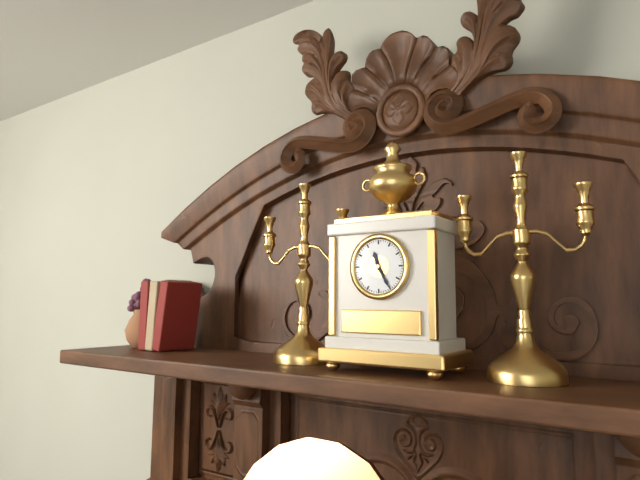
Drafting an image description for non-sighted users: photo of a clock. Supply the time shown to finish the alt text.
11:25
